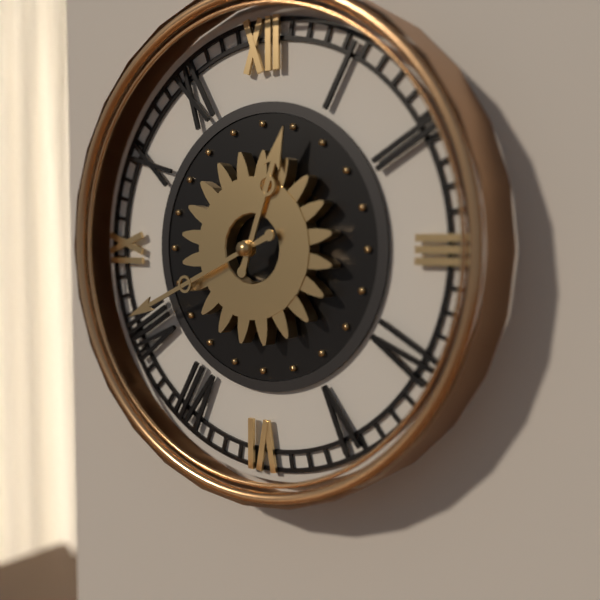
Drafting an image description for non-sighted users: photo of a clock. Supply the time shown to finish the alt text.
12:41
